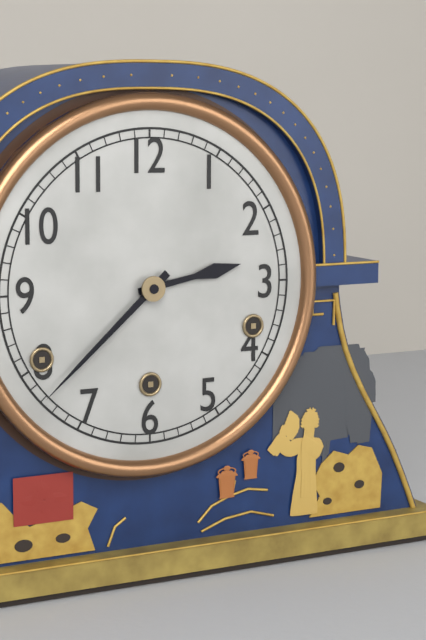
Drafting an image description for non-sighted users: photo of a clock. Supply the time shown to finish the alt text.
2:38
